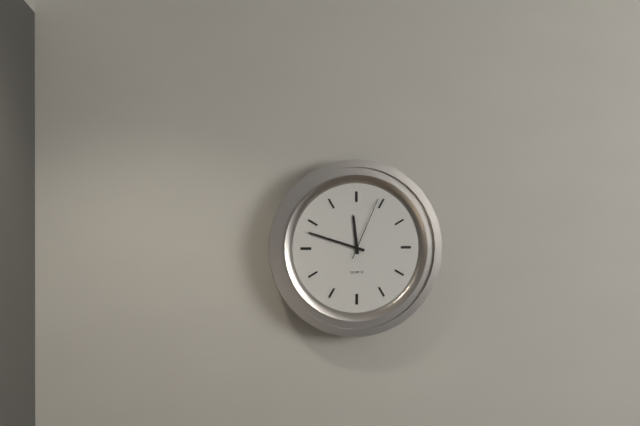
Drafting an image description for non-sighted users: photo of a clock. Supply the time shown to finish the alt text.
11:48:04
